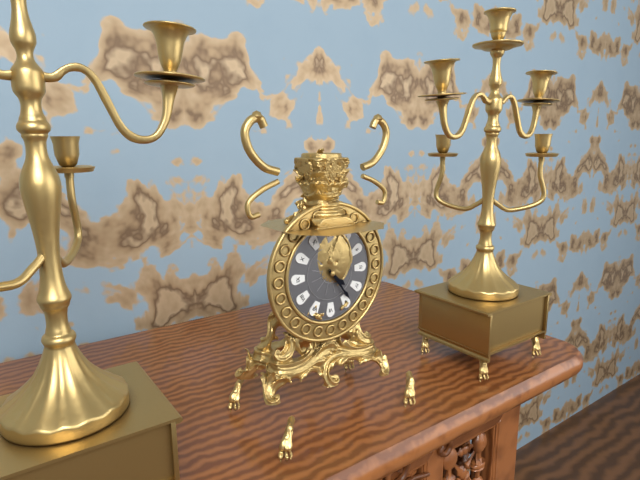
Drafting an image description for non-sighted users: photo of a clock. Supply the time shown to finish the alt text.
4:24
